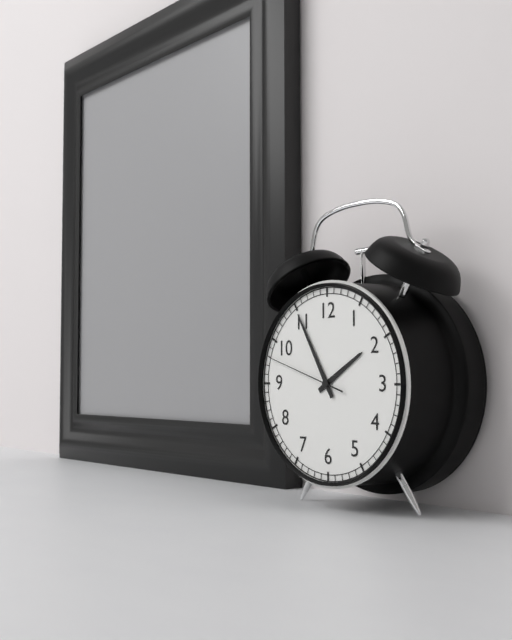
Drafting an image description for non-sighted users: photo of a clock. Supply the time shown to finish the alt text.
1:55:48
